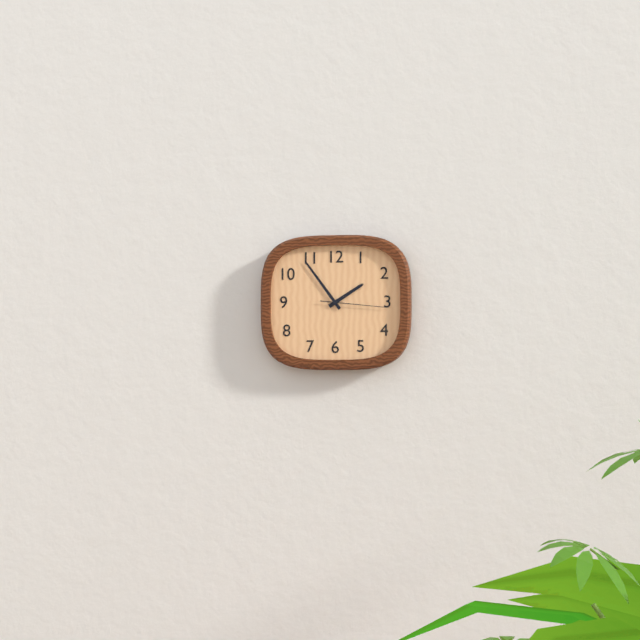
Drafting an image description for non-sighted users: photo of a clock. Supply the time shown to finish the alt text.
1:54:16
